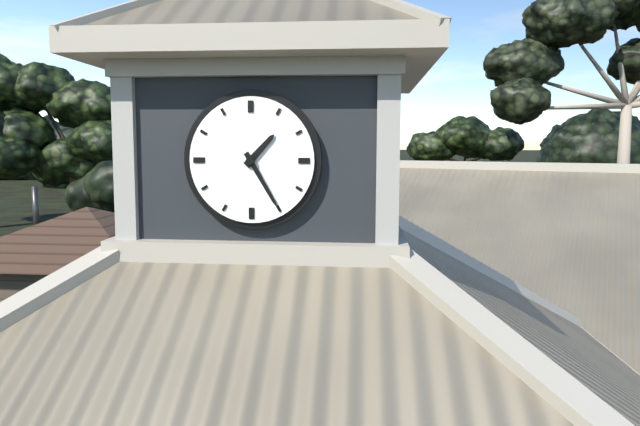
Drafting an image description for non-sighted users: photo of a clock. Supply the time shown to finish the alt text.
1:25
